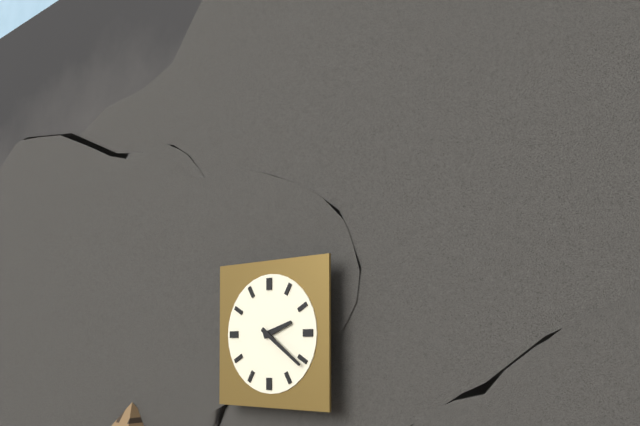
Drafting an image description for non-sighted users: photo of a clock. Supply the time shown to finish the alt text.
2:21
